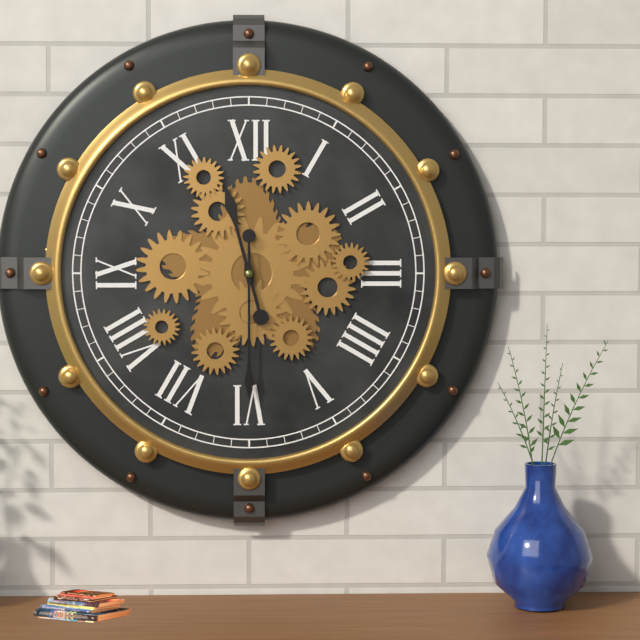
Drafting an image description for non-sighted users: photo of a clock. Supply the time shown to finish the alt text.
11:30
